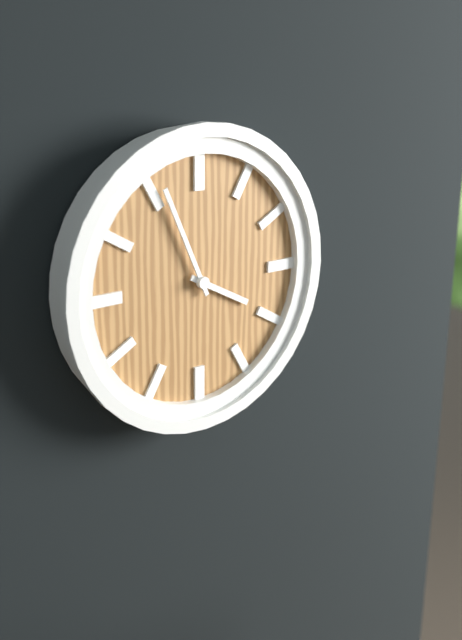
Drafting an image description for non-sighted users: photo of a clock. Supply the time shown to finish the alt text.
3:56
